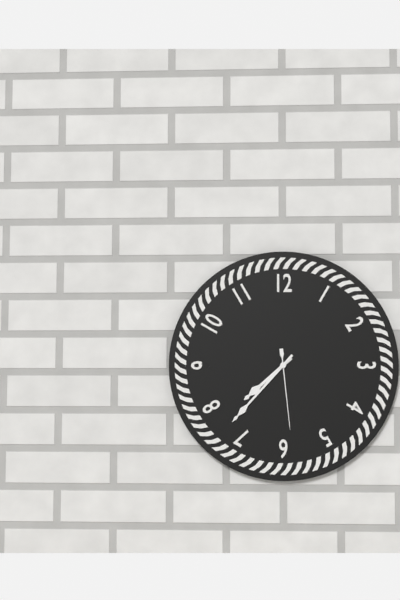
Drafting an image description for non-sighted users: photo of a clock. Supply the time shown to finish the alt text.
7:37:29
